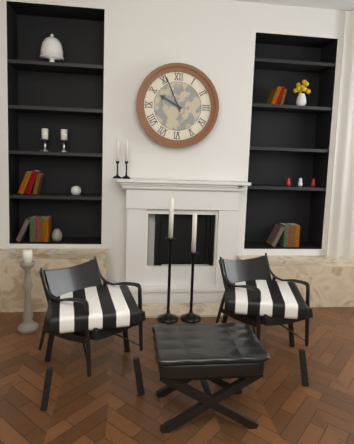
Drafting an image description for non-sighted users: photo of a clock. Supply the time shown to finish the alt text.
9:56
